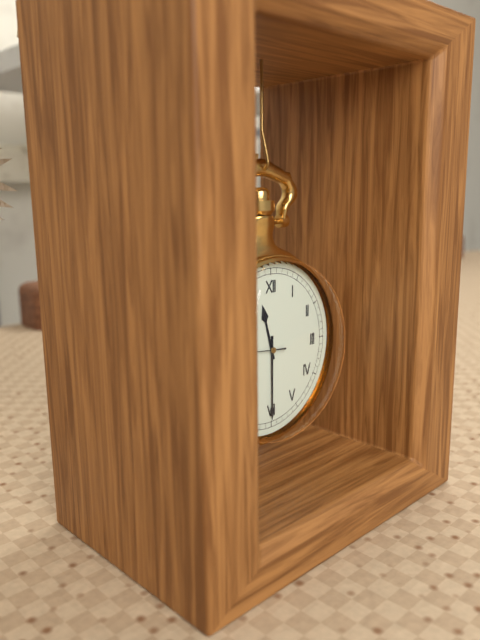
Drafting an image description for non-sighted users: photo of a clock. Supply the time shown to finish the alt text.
11:30
